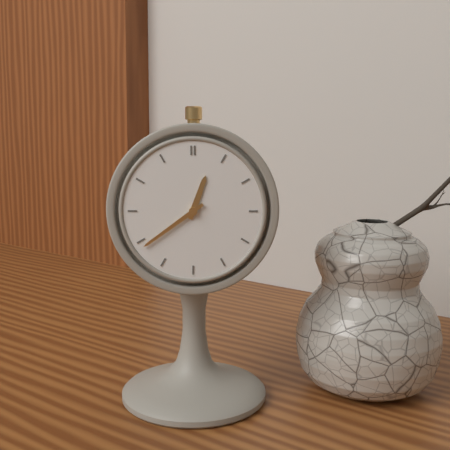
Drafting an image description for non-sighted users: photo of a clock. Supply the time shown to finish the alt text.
12:39
